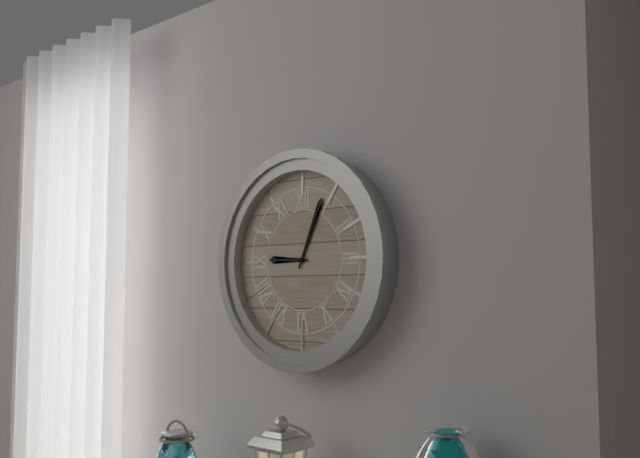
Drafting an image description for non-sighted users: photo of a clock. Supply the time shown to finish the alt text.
9:04
